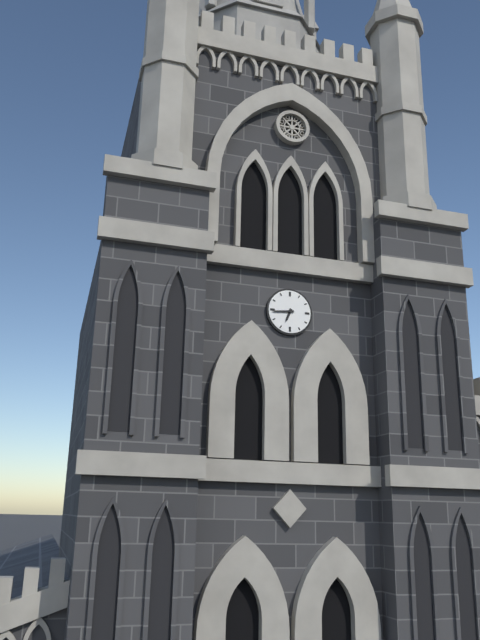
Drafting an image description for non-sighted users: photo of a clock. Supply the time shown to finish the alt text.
6:44
